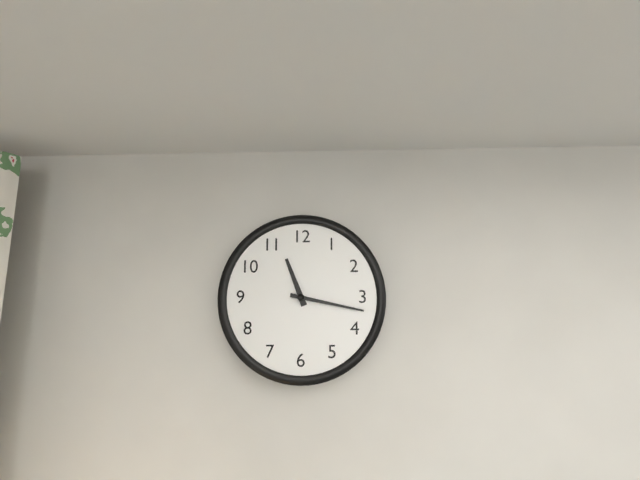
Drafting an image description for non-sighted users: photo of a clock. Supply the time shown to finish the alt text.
11:17
